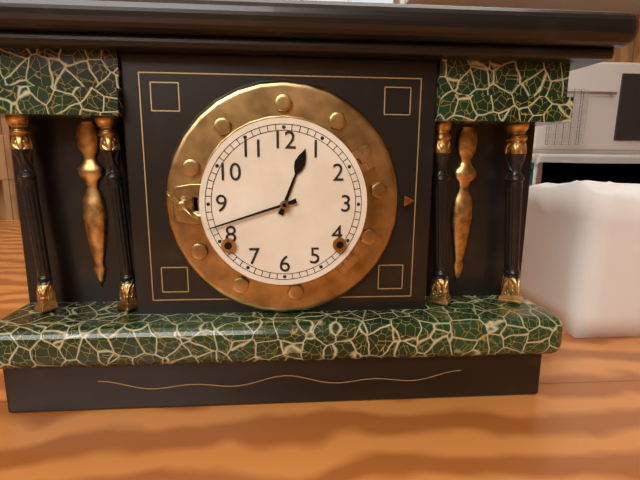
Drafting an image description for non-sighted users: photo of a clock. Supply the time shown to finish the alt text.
12:42
